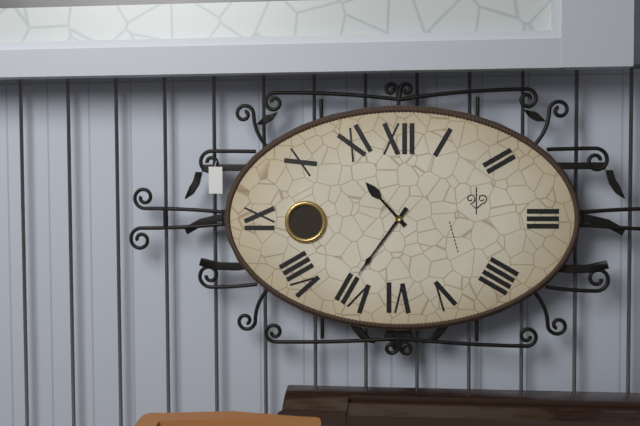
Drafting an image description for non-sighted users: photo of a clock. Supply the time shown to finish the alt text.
10:36
